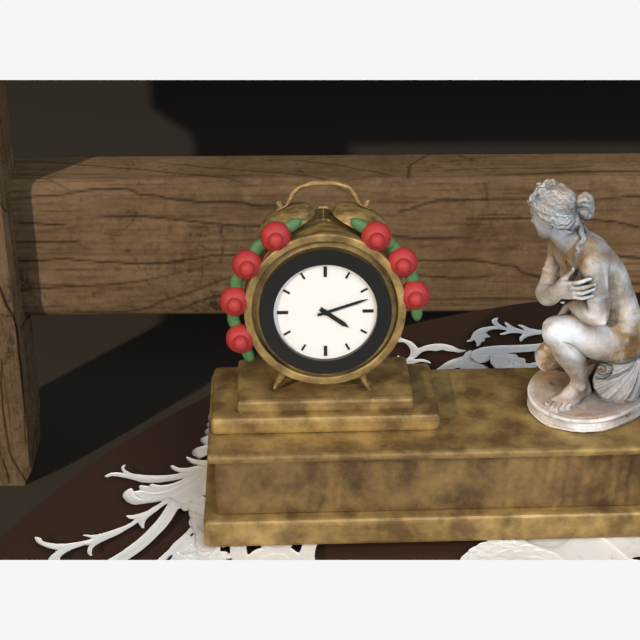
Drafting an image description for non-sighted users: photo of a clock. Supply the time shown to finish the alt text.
4:12
